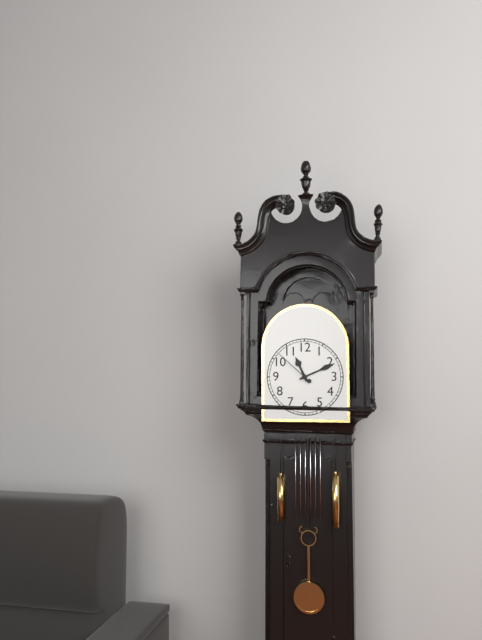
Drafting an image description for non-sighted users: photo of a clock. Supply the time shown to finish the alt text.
11:11
